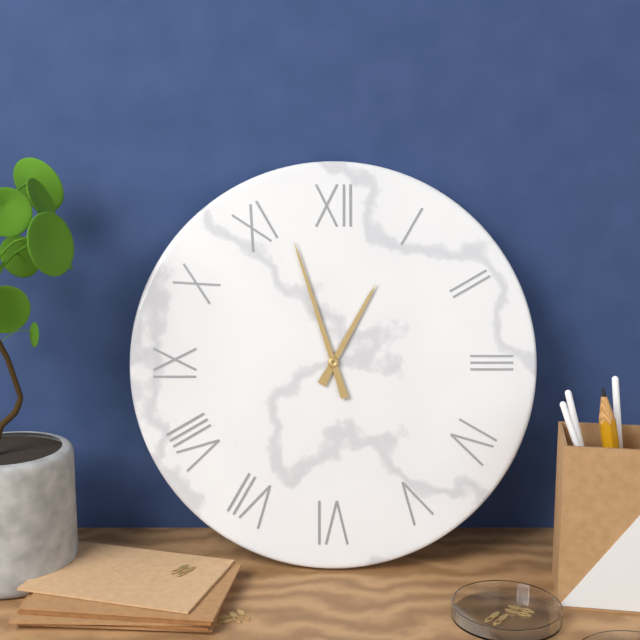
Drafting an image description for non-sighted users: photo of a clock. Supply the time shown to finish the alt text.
12:57
